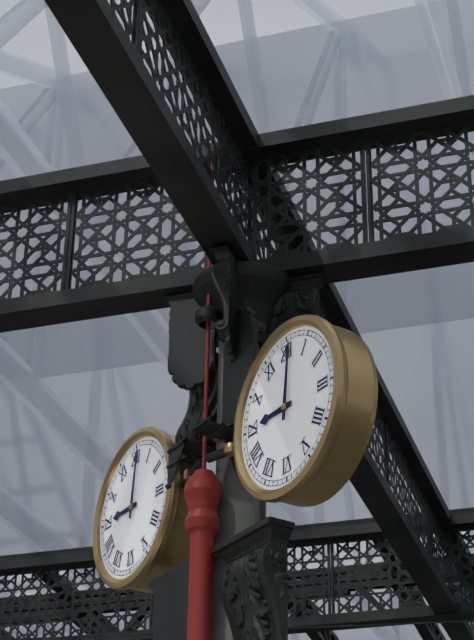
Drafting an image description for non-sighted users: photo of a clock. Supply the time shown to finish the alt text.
9:01
